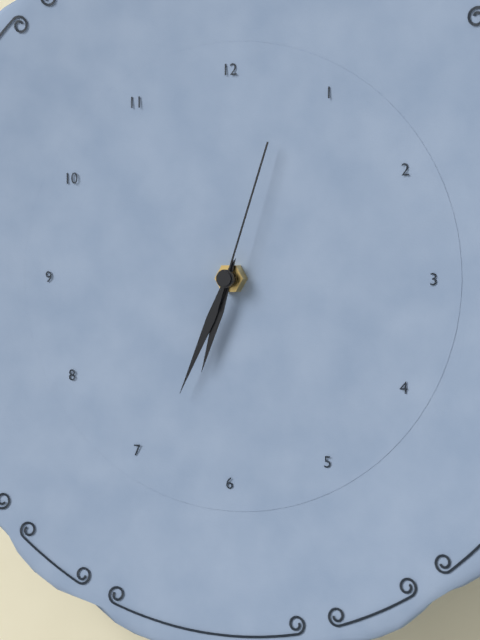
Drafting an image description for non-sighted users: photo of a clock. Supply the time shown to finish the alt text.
6:34:03
